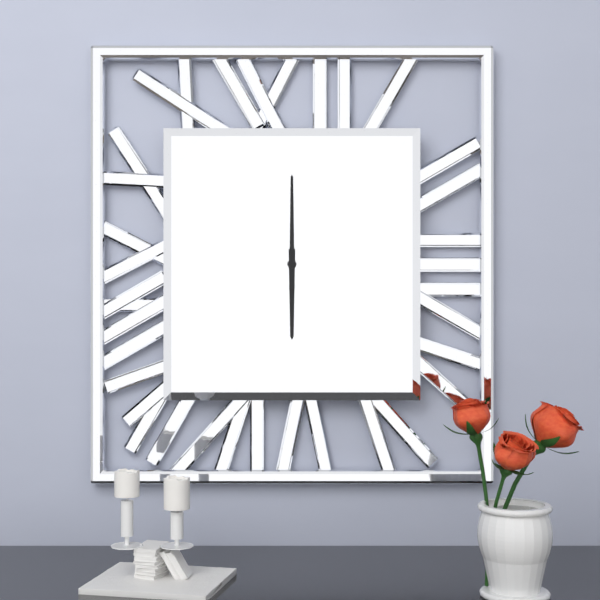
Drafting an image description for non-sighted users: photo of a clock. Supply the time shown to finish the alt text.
6:00
